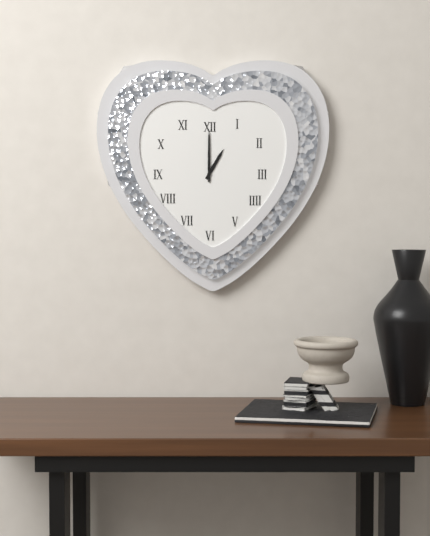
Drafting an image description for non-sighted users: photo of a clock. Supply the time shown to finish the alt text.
1:00
